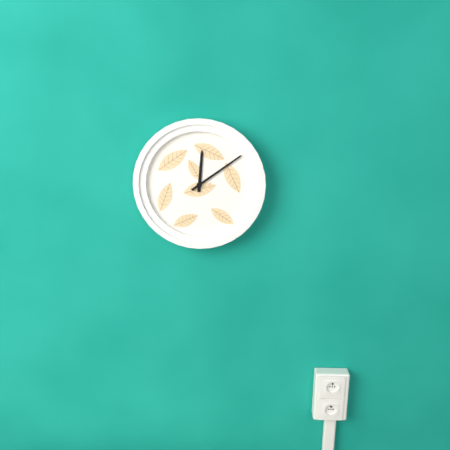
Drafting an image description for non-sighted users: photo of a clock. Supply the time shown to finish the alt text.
12:09
